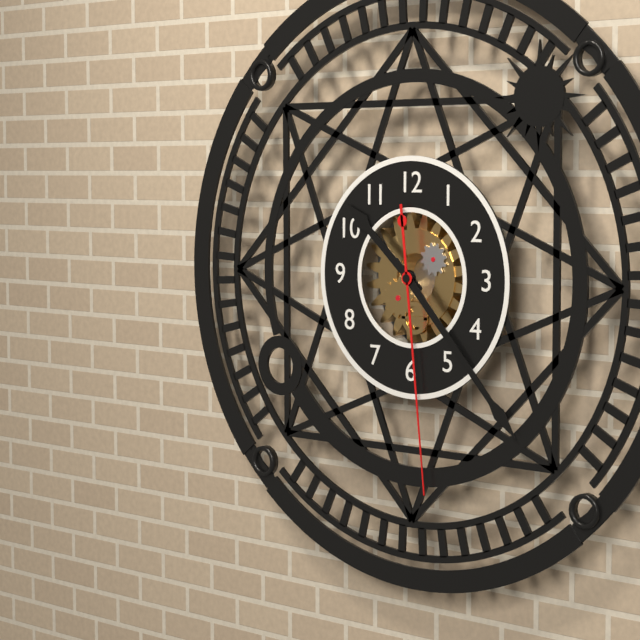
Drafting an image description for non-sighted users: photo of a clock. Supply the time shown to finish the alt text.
10:23:29
